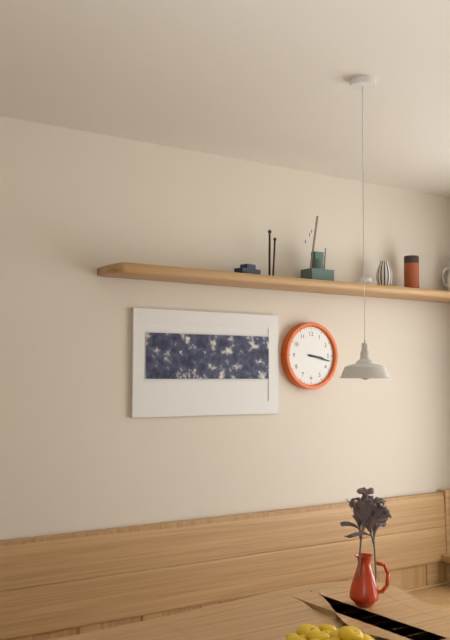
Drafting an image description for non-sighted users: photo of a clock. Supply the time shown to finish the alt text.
3:17
